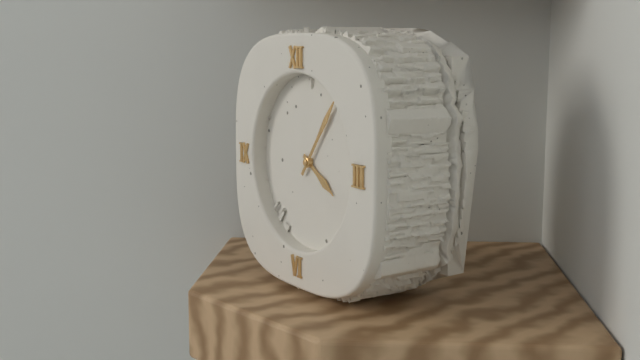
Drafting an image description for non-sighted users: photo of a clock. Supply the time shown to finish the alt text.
4:06
